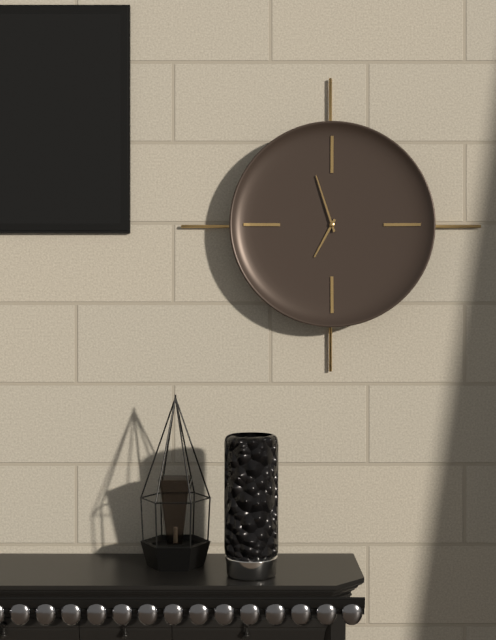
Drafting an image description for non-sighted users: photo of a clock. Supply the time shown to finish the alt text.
6:57
